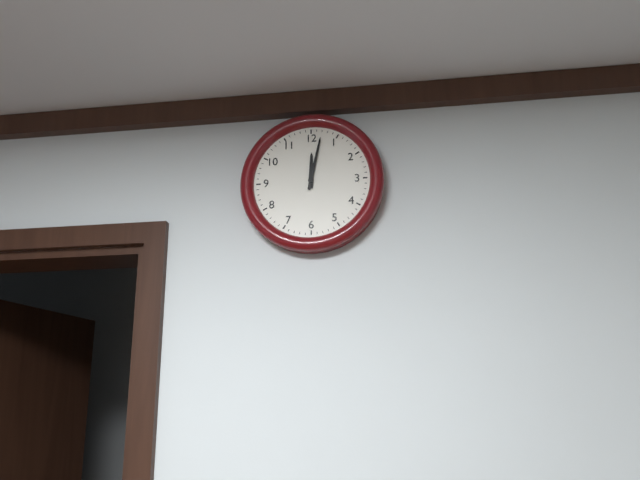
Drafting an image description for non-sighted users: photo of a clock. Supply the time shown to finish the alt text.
12:02
